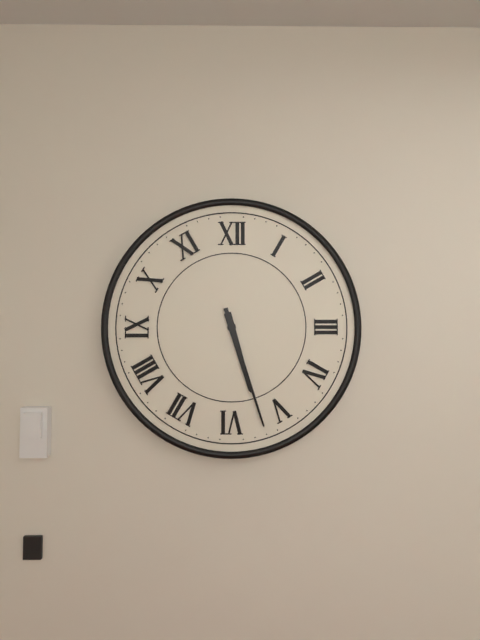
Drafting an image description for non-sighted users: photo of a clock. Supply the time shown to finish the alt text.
5:27
